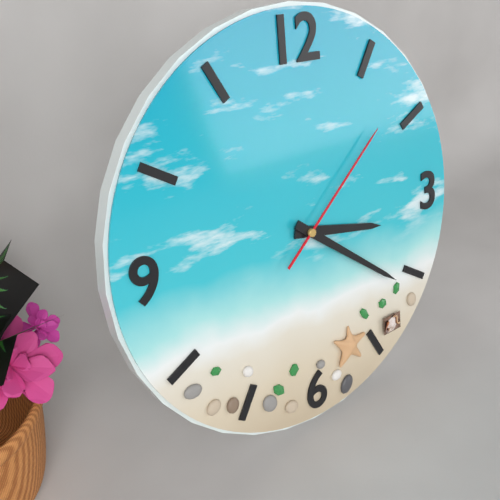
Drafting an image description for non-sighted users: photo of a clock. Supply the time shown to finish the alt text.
3:21:08
